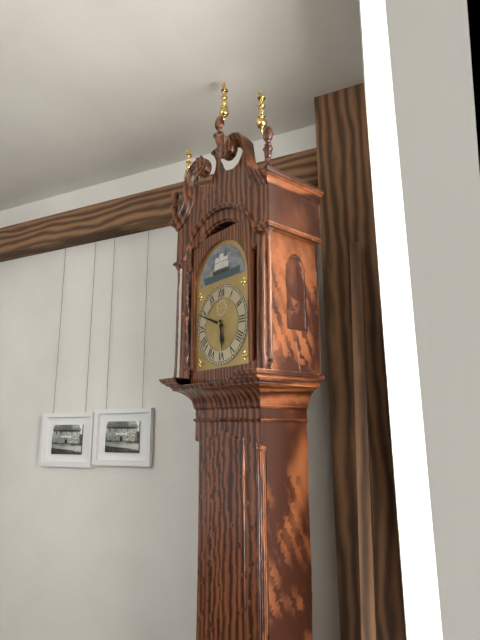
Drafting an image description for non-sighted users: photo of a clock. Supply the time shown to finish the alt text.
5:49
